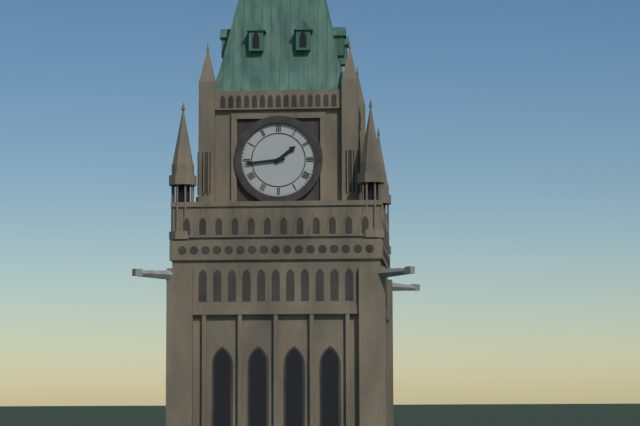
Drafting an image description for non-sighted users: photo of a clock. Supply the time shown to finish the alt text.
1:44
